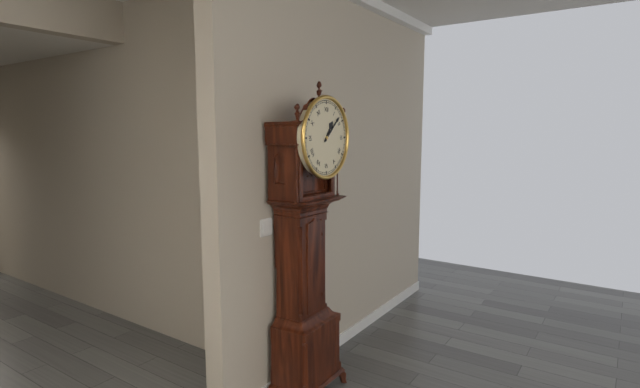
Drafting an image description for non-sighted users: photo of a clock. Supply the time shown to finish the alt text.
1:08
